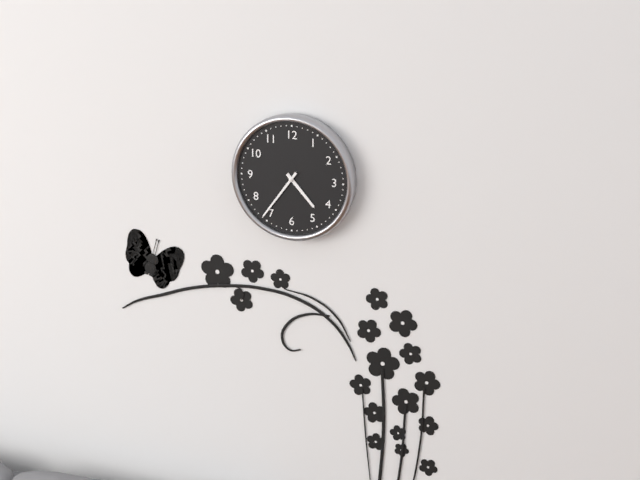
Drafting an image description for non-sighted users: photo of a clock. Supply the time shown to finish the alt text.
4:36
